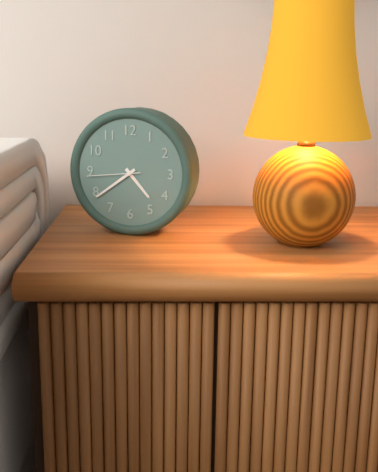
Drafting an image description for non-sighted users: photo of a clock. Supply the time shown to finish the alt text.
4:39:44
